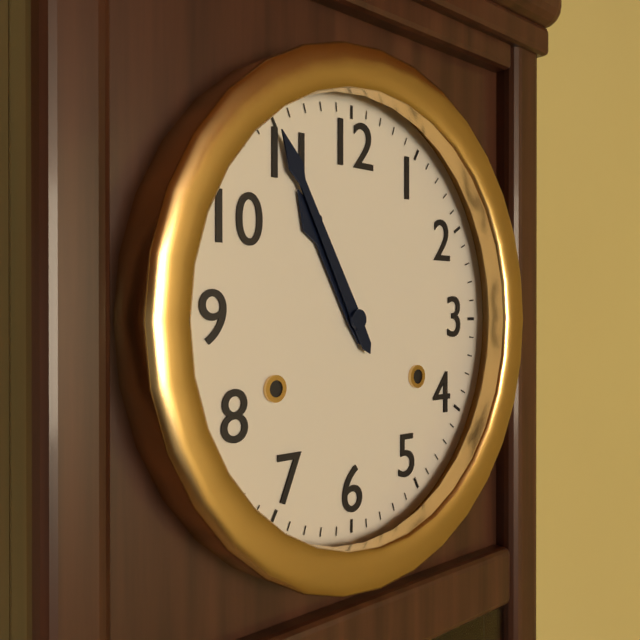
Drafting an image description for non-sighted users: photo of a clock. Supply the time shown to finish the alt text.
10:55
